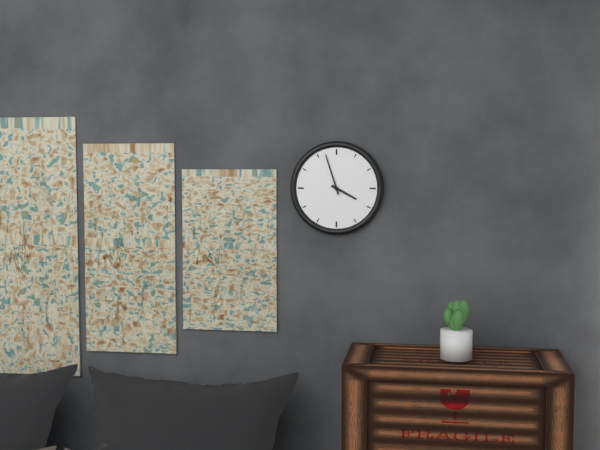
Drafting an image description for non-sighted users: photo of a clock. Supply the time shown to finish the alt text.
3:57
